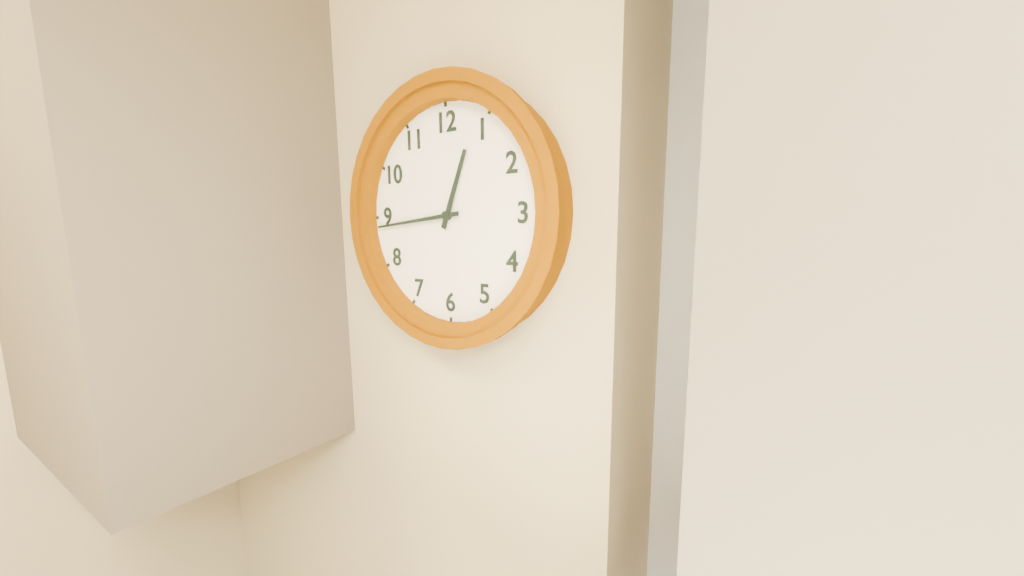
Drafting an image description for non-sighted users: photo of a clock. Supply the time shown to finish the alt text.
12:44
